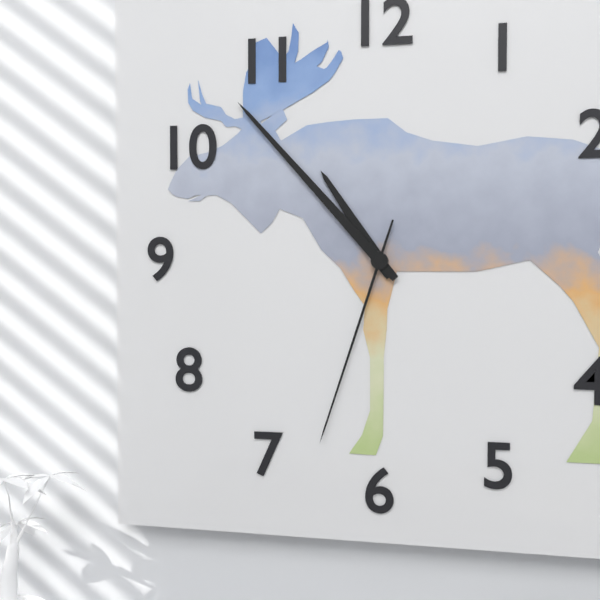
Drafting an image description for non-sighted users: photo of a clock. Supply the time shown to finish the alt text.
10:53:33
